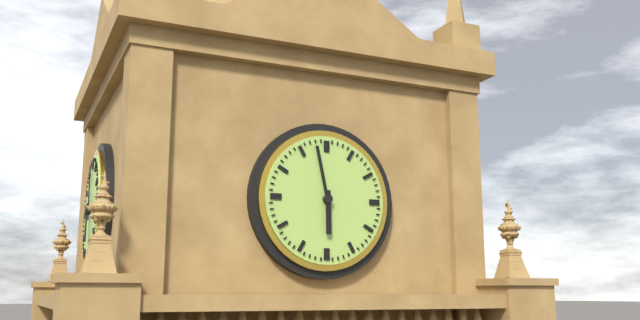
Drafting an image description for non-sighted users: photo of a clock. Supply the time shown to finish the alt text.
5:58
